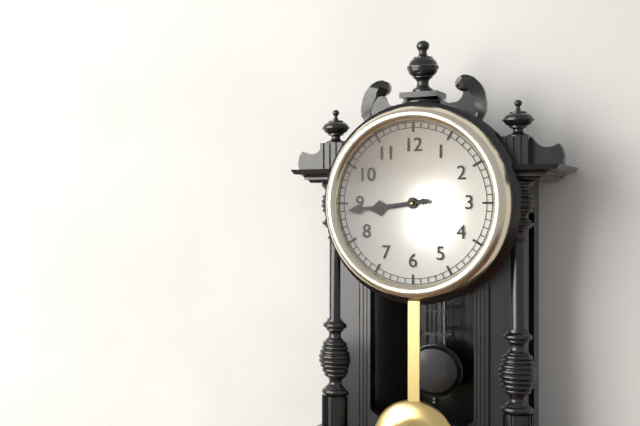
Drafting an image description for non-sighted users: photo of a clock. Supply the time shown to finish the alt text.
8:44
